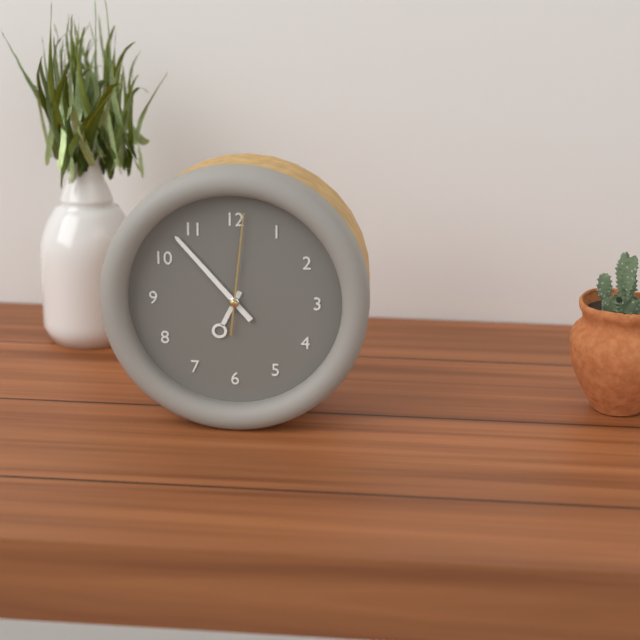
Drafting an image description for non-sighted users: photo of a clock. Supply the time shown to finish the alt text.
6:53:01
